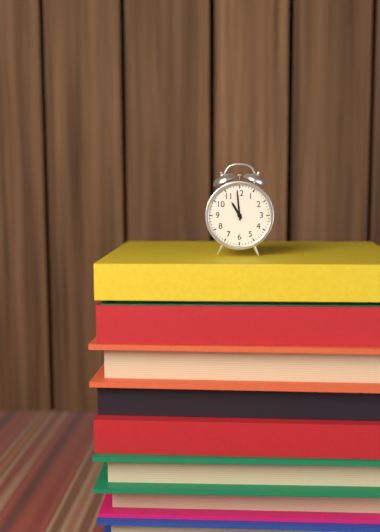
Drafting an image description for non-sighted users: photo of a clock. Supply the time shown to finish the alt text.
10:59
